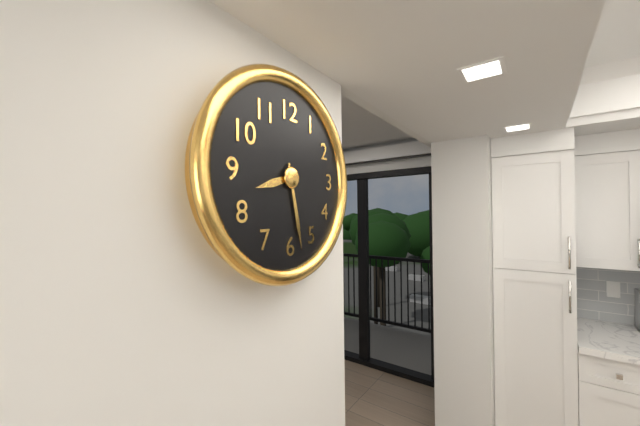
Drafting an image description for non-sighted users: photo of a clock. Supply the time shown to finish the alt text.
8:28
